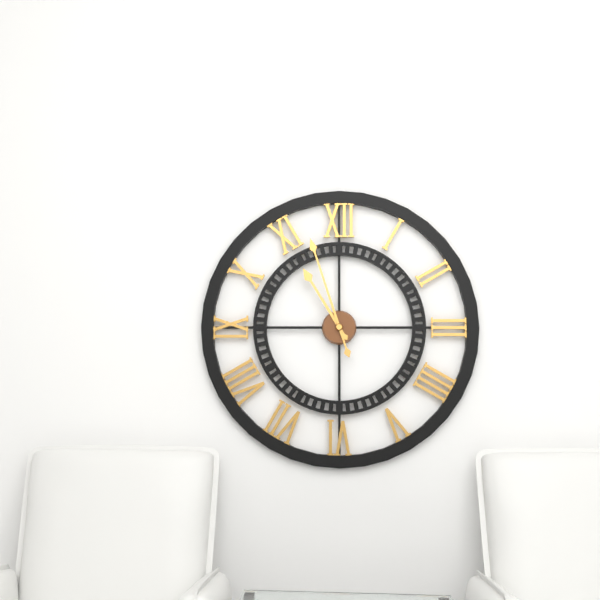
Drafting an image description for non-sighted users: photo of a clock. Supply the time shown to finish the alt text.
10:57
